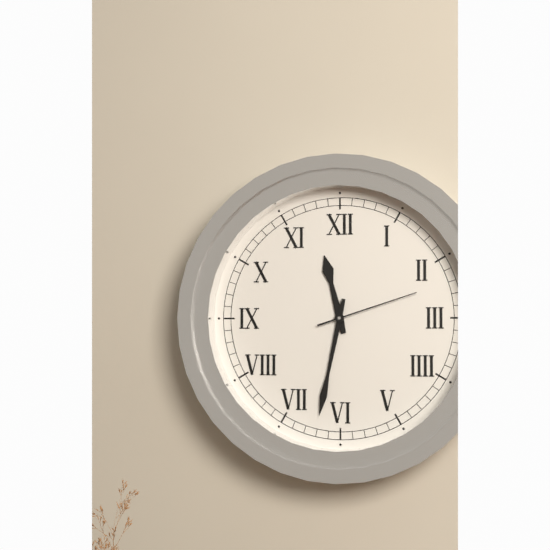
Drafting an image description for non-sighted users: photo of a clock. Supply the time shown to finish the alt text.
11:32:12
